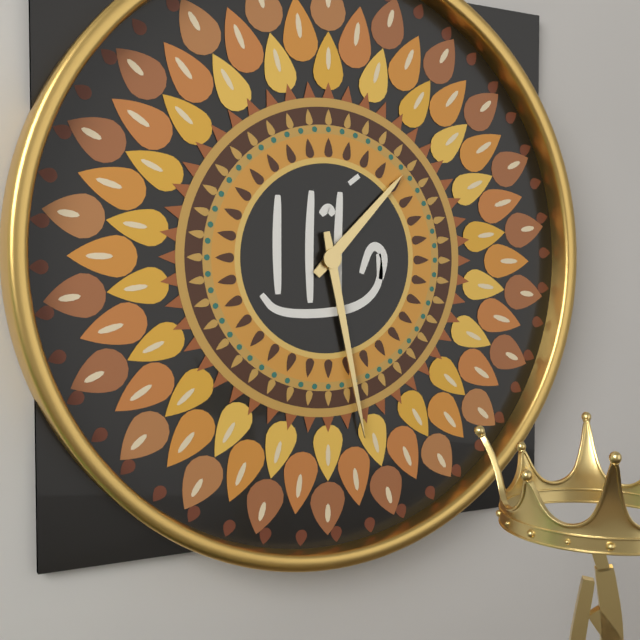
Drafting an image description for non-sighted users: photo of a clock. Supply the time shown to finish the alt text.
1:28
